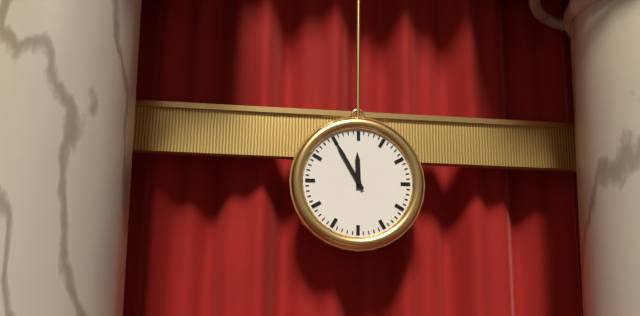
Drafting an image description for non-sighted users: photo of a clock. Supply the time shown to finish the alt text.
11:55
